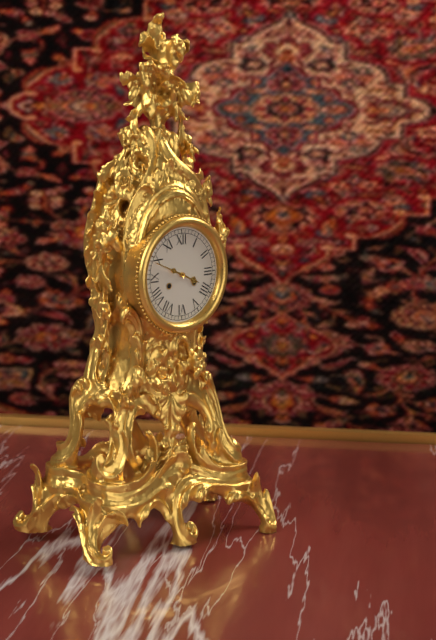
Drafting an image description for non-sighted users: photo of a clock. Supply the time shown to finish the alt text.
3:49
